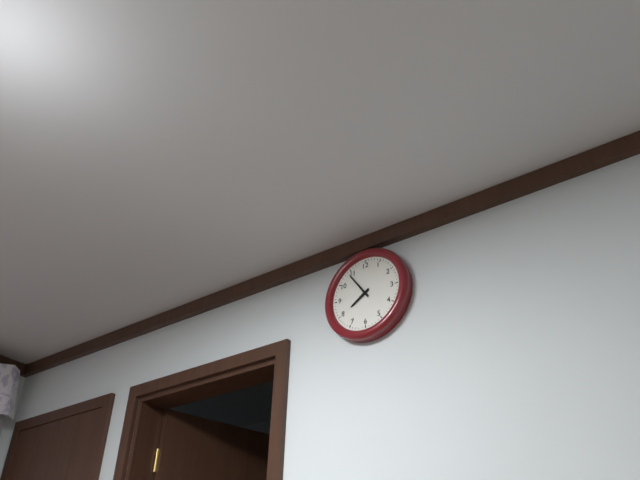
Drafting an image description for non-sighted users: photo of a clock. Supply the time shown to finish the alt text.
7:54
